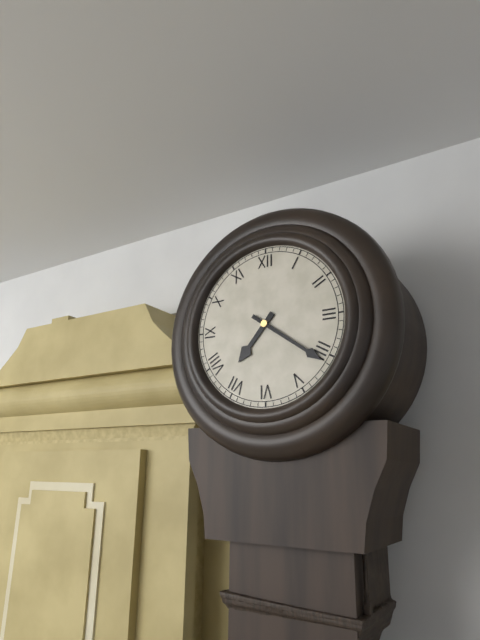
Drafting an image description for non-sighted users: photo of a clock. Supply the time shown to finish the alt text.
7:21
